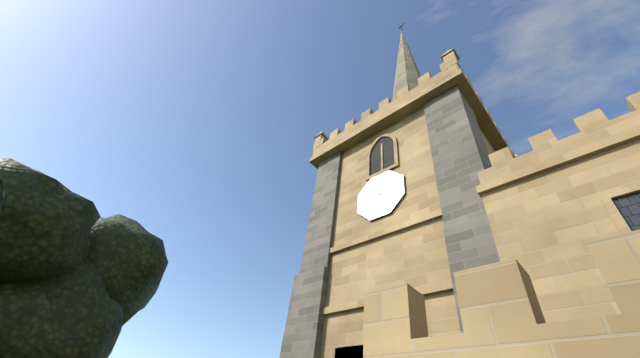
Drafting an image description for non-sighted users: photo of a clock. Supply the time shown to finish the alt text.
8:50
